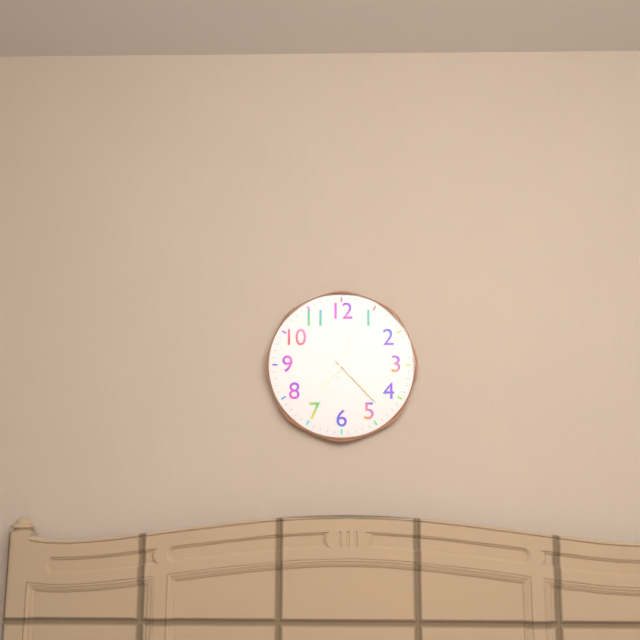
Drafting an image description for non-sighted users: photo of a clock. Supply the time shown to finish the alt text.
7:23:03
